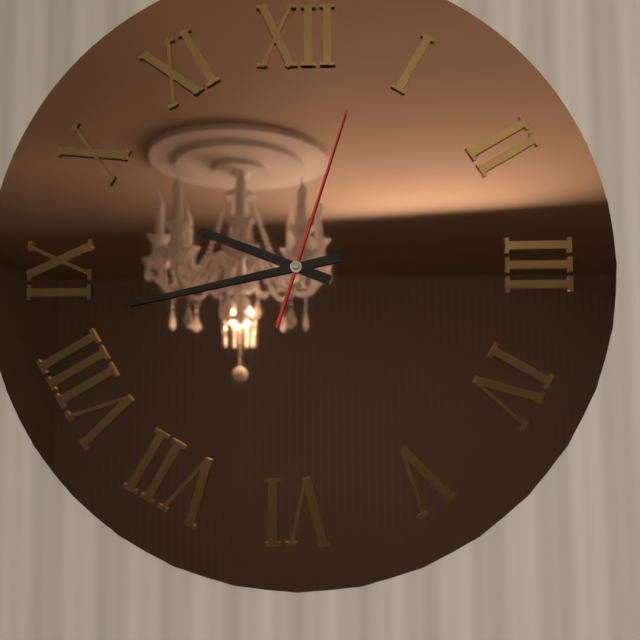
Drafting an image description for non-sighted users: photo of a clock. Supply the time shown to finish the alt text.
9:43:03
